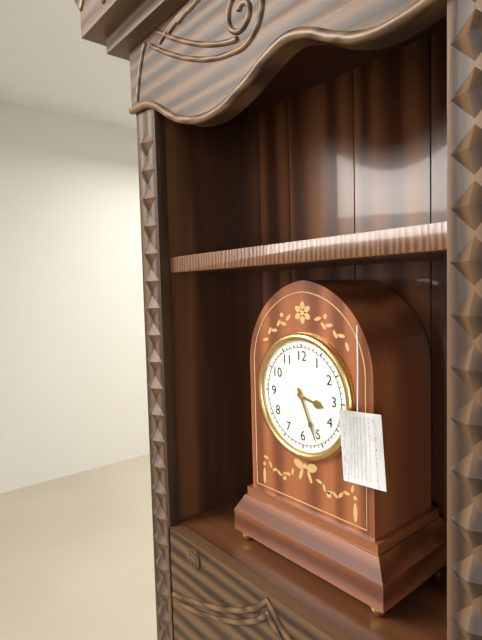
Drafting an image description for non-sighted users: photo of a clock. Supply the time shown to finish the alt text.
3:26
